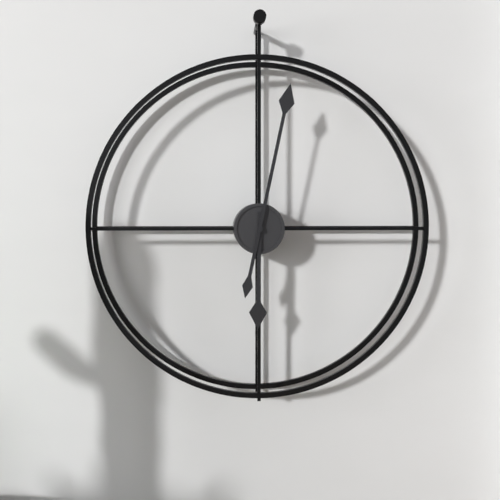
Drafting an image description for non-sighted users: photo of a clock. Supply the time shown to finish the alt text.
6:02
